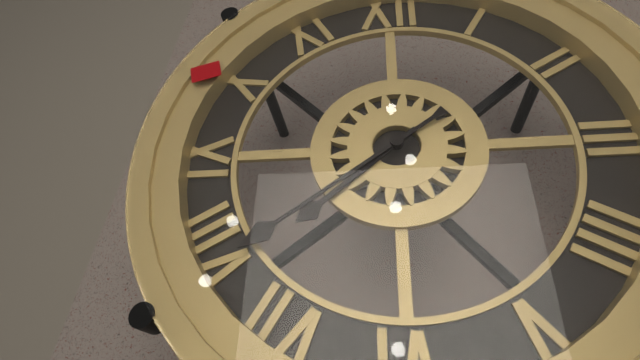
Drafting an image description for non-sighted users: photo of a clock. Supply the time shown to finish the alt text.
7:39
